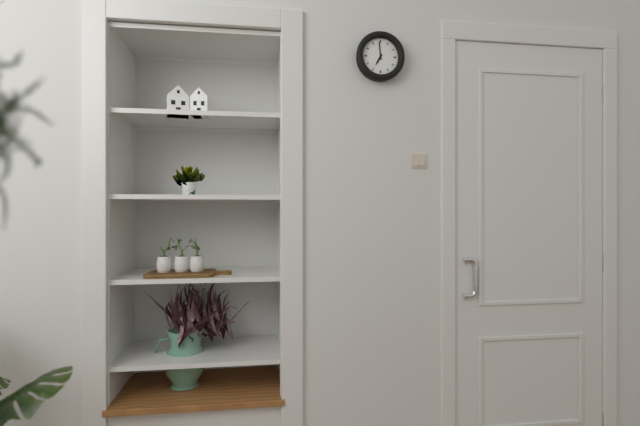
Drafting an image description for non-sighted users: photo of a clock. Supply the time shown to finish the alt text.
6:59
